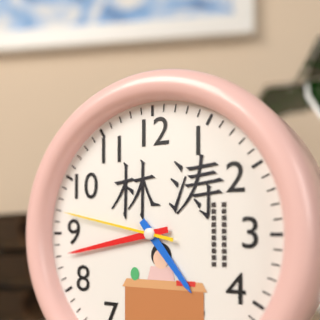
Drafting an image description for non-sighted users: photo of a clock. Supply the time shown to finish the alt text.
4:43:47
